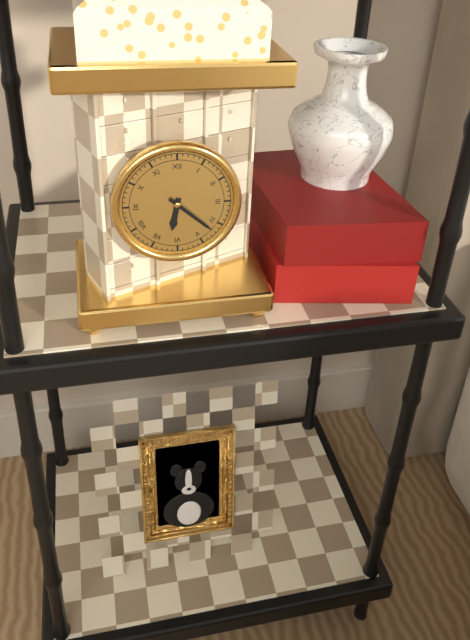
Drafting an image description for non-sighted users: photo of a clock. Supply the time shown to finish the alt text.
6:22
